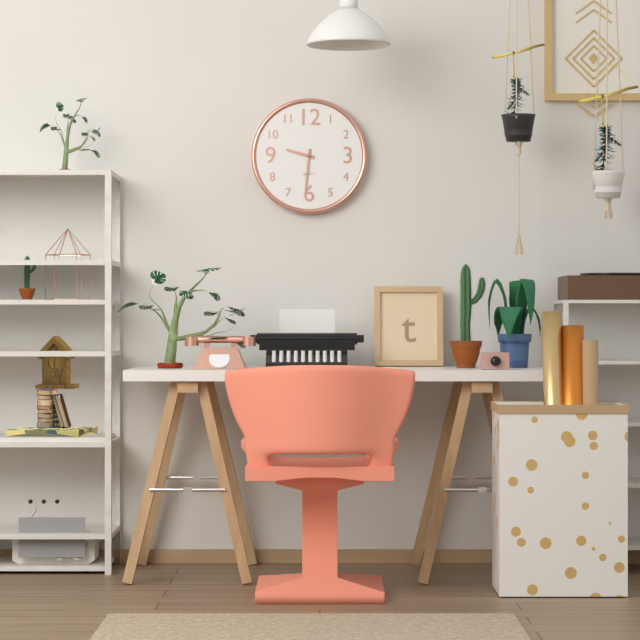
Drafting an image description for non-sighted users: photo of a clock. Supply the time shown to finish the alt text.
9:31
